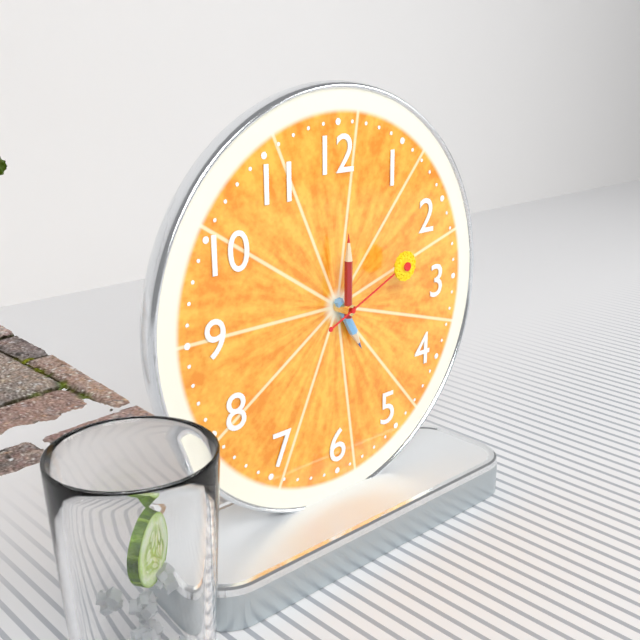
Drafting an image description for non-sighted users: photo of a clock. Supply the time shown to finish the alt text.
5:00:11
